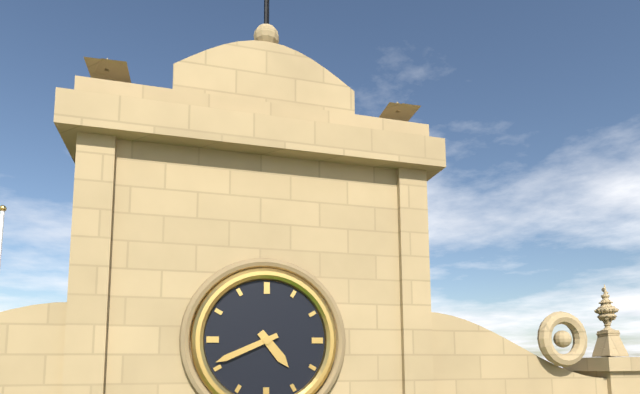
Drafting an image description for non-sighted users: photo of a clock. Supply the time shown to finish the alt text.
4:41
